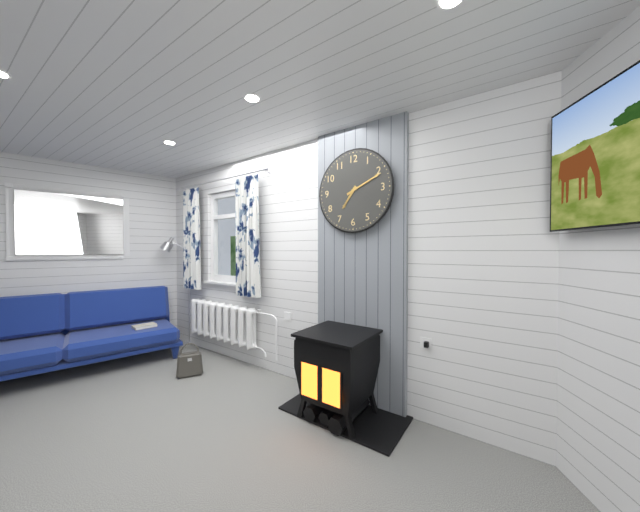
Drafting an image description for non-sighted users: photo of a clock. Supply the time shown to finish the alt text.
7:11
